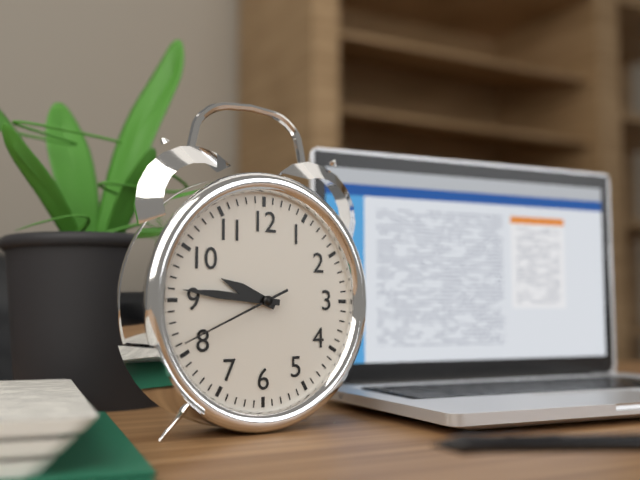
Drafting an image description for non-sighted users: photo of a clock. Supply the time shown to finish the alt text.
9:46:41
